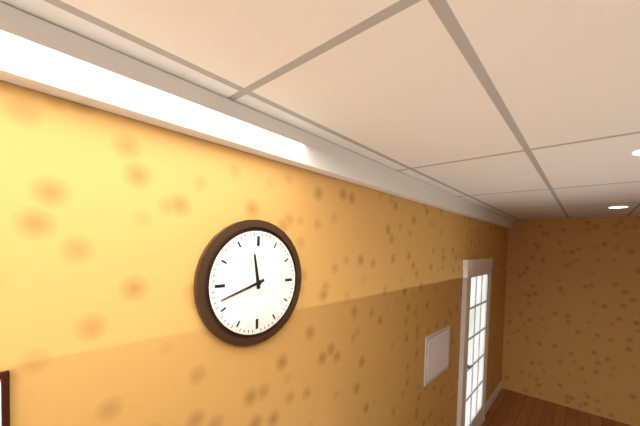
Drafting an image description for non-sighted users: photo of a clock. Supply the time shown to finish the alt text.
11:42
